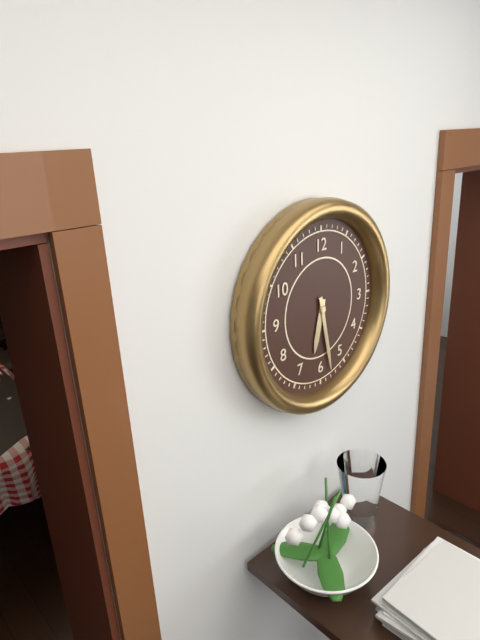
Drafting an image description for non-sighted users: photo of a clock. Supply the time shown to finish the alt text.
6:28
